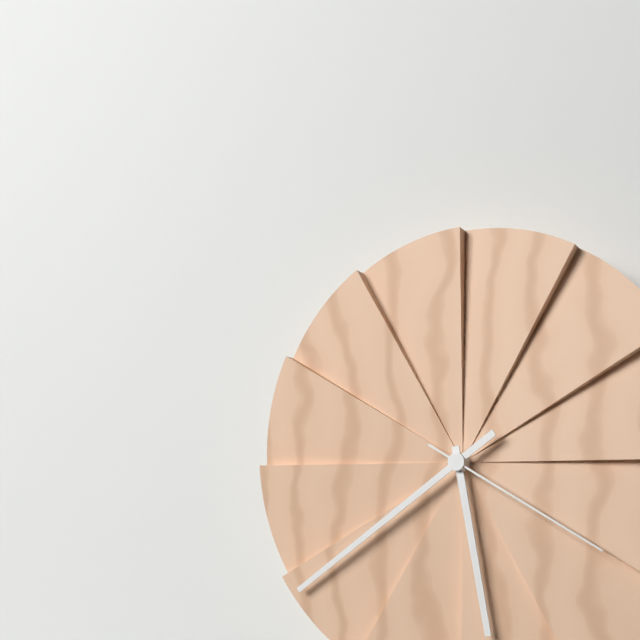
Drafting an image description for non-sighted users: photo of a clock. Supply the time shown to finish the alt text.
5:39:20
